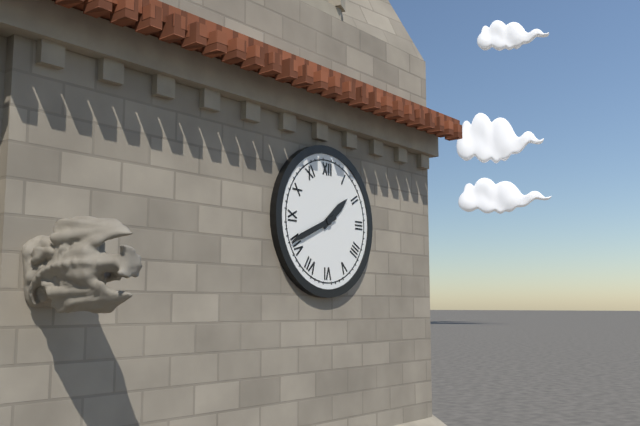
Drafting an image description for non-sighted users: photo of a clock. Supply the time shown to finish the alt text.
1:41
